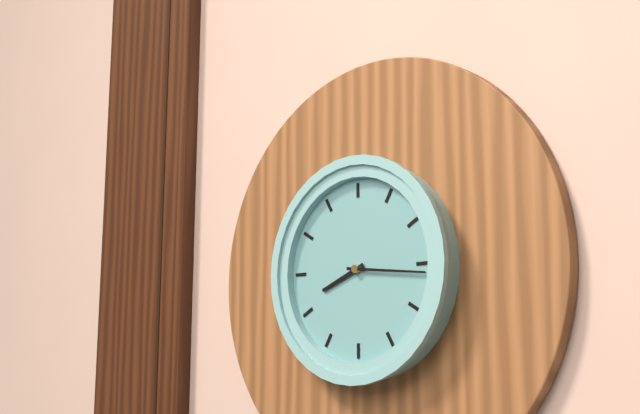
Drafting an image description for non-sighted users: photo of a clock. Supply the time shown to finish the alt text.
8:16
